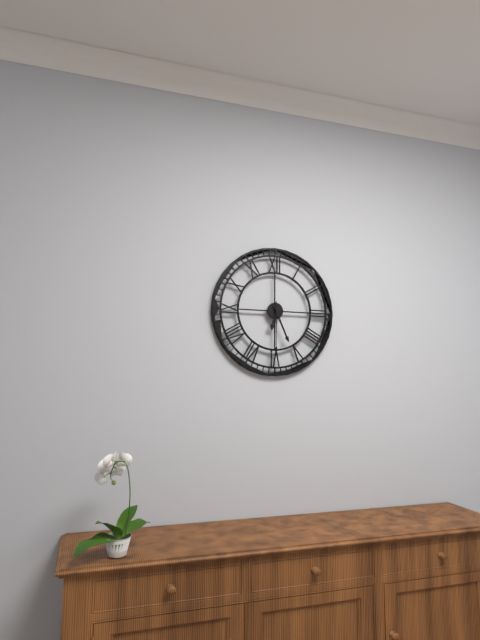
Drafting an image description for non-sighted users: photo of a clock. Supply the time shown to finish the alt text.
6:26
